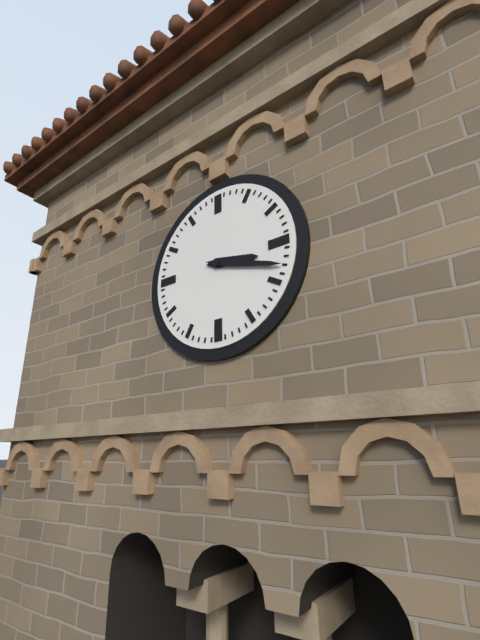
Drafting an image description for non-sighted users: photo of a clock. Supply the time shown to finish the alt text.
3:18
